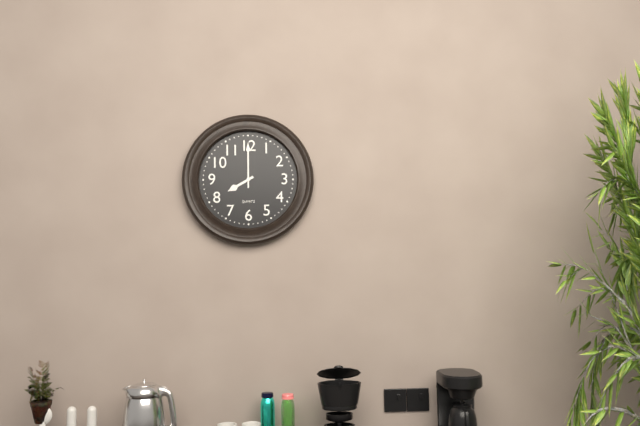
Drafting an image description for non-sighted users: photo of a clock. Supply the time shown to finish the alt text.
8:00
